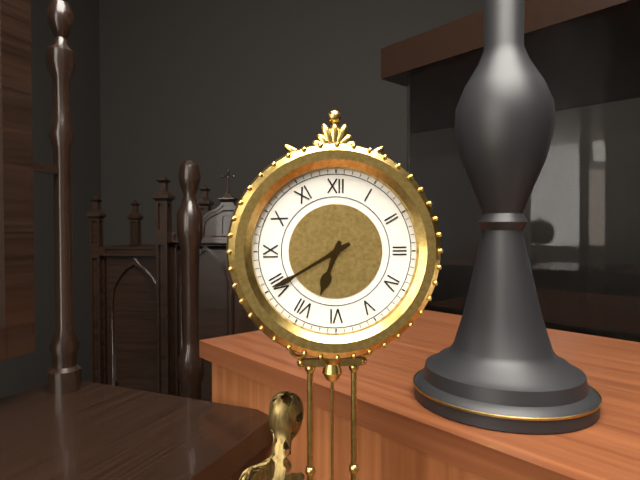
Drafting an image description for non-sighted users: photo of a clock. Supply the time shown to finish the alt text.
6:40
